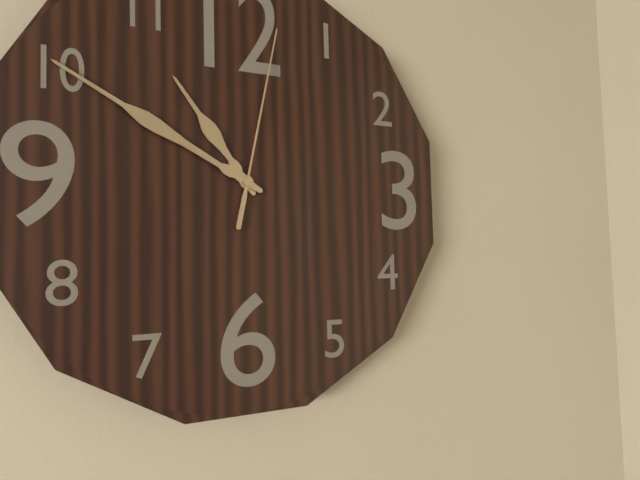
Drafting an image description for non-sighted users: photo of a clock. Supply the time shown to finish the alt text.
10:50:02
